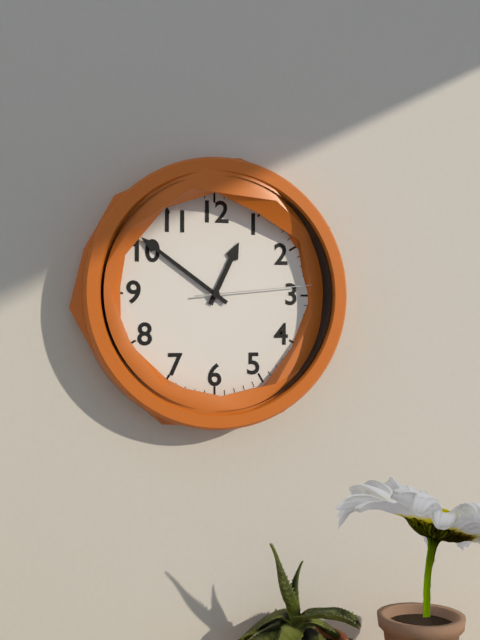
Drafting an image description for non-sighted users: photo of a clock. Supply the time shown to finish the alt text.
12:51:14
